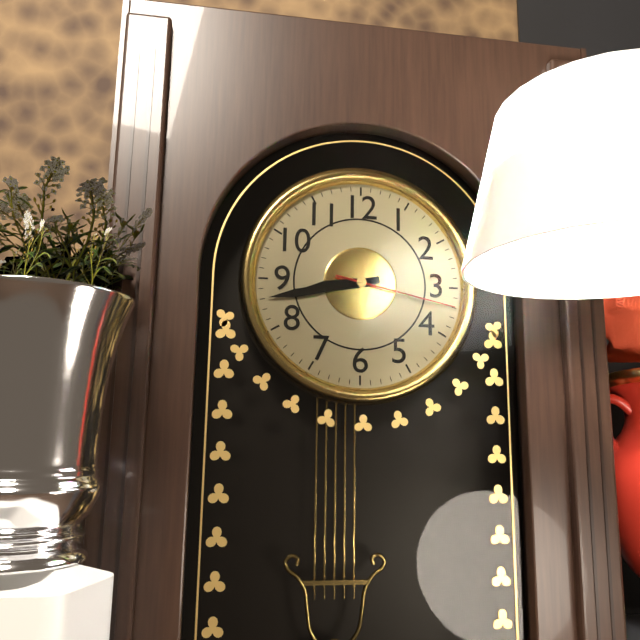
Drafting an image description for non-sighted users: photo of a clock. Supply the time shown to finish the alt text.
8:43:17
